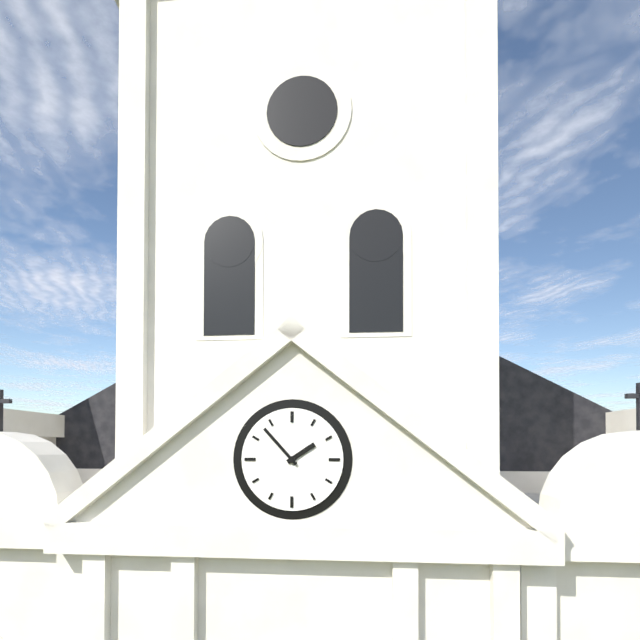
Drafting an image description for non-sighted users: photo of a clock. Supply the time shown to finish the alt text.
1:53
